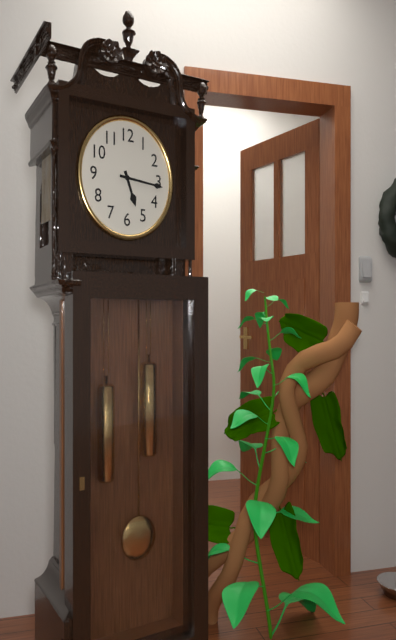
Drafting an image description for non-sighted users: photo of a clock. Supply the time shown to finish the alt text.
5:16
